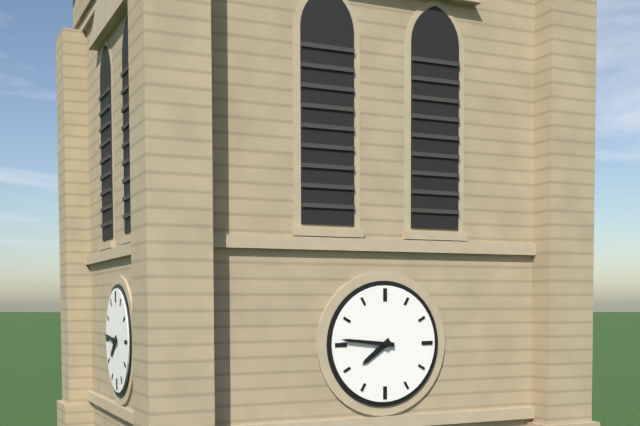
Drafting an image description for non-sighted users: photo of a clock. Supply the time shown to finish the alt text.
7:46
